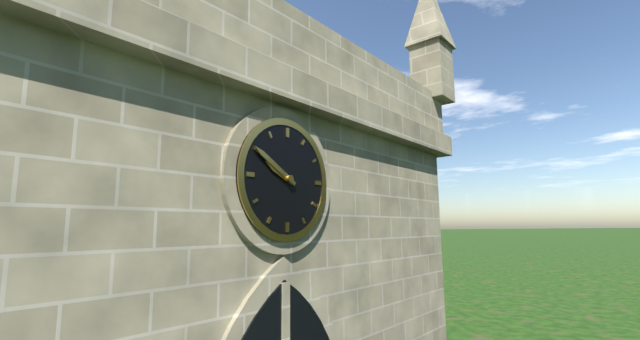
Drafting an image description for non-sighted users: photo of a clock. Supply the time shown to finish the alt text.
9:50
